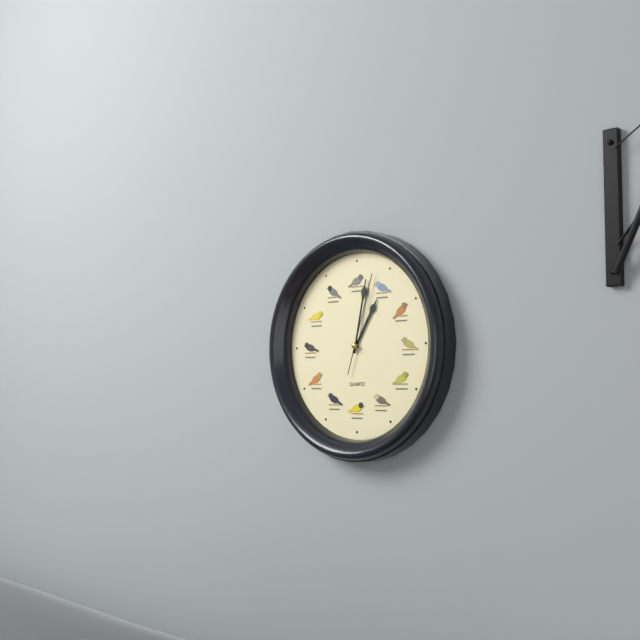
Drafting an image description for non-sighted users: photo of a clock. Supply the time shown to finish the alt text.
1:02:03
